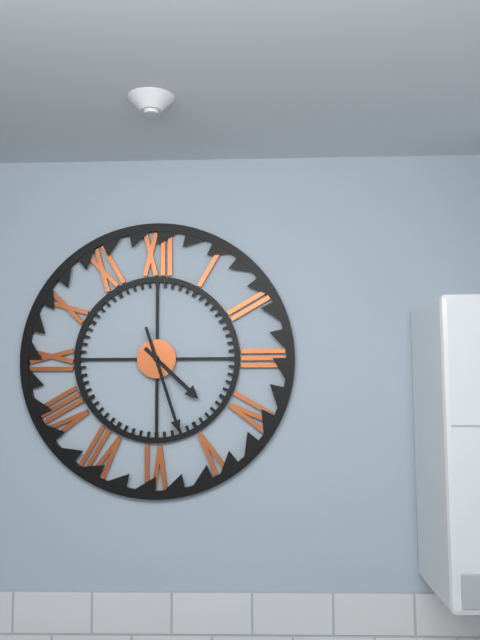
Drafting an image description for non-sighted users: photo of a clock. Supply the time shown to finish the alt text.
4:27
